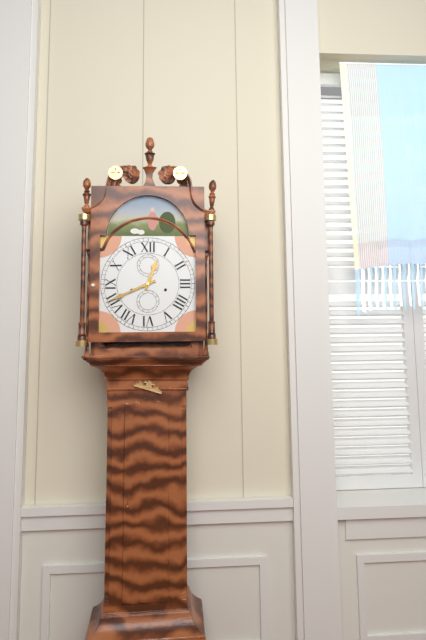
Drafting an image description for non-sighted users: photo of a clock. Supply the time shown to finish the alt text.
12:41
